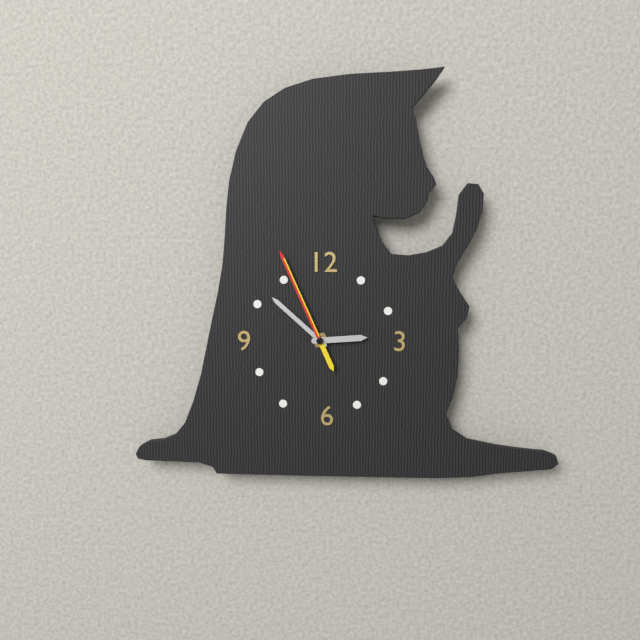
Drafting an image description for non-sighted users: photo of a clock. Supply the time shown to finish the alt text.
2:52:56
